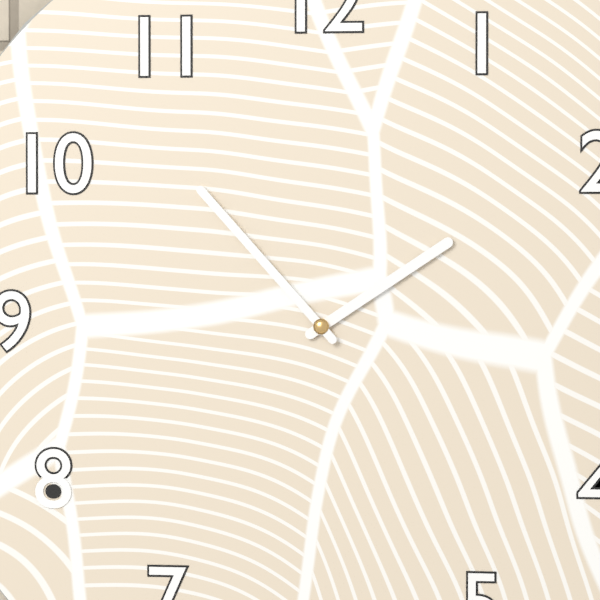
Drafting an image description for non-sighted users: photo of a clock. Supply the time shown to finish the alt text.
1:53
